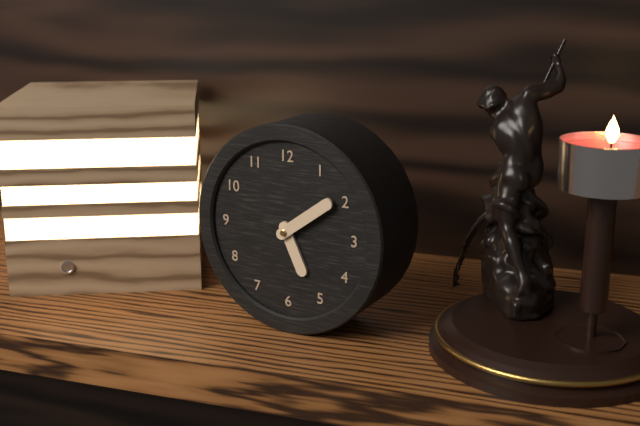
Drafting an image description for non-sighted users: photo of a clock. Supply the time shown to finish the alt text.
5:09
